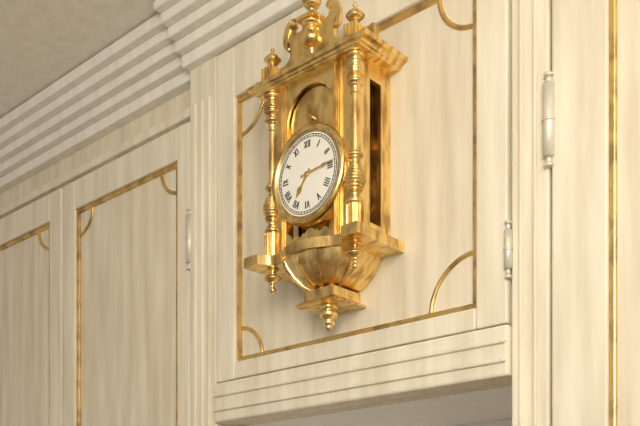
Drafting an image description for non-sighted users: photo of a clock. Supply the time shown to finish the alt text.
7:14
